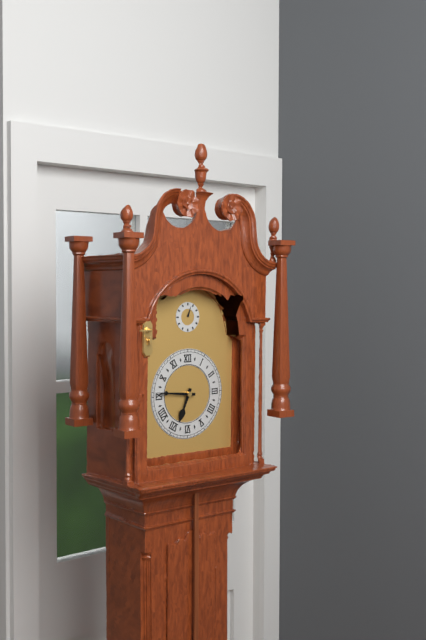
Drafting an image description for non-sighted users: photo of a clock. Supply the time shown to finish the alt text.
6:46
